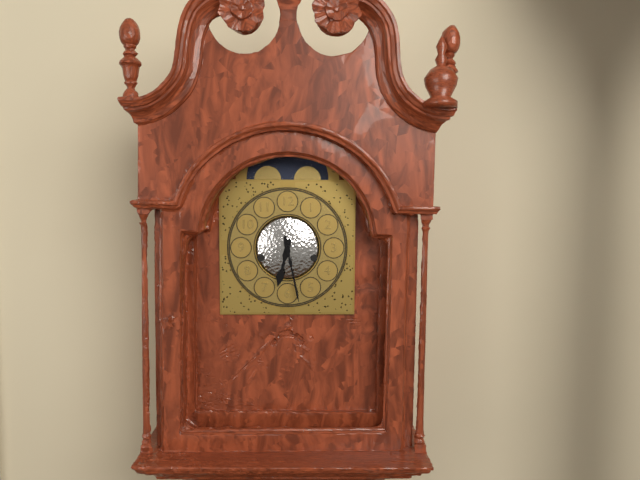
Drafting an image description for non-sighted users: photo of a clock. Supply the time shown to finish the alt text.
6:28
